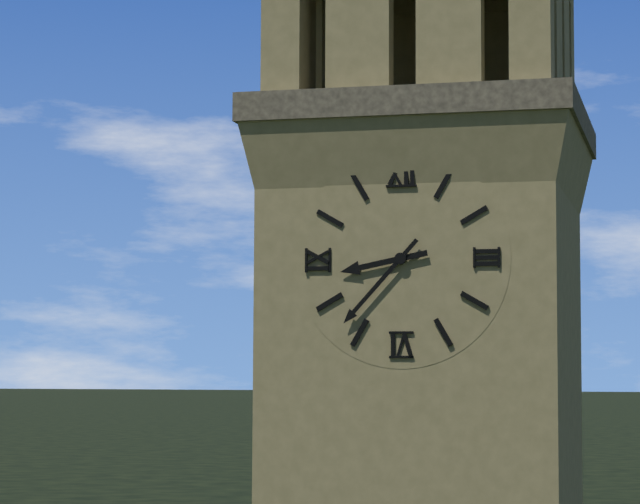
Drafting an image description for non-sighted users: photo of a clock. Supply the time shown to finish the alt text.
8:37
